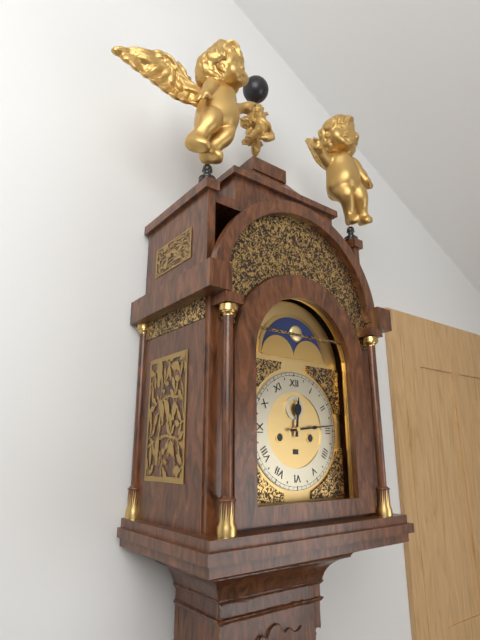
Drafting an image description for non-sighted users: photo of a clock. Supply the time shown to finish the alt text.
12:14
